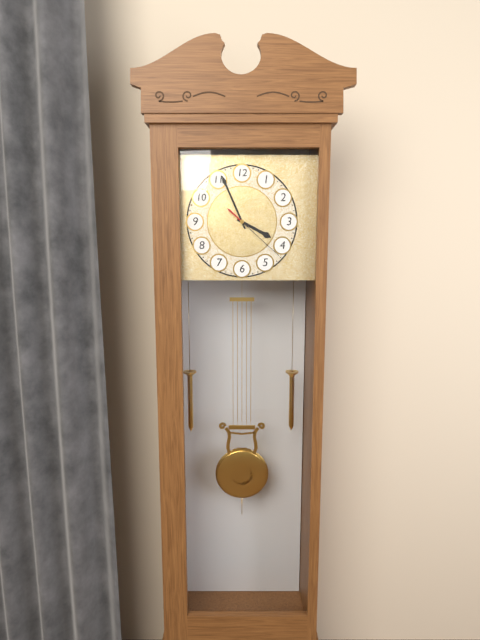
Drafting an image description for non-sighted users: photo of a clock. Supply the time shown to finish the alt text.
3:56:22
